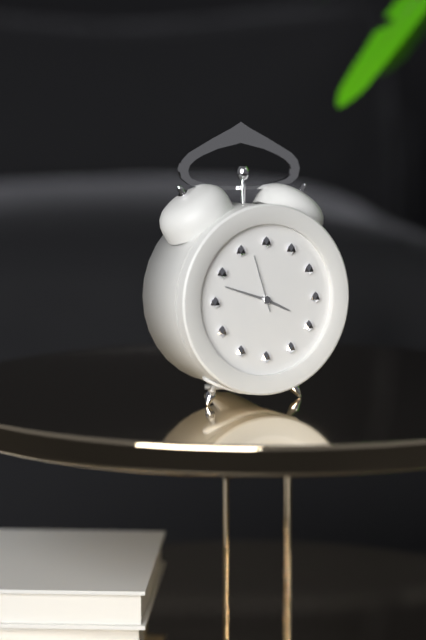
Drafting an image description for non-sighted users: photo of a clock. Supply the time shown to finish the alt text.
3:48:57
